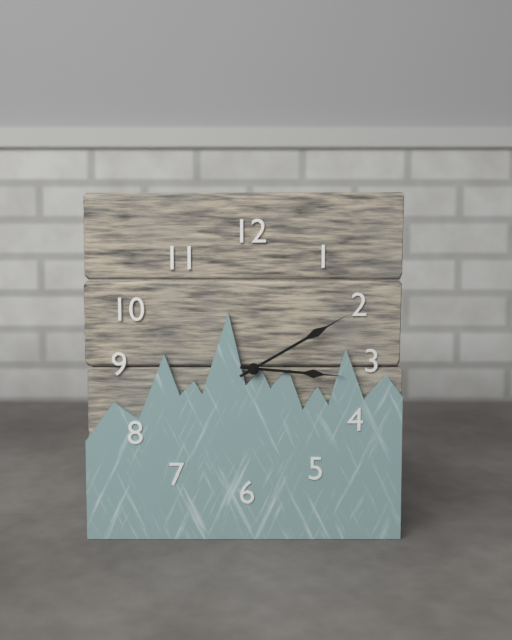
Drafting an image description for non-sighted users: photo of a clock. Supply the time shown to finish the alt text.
3:10
